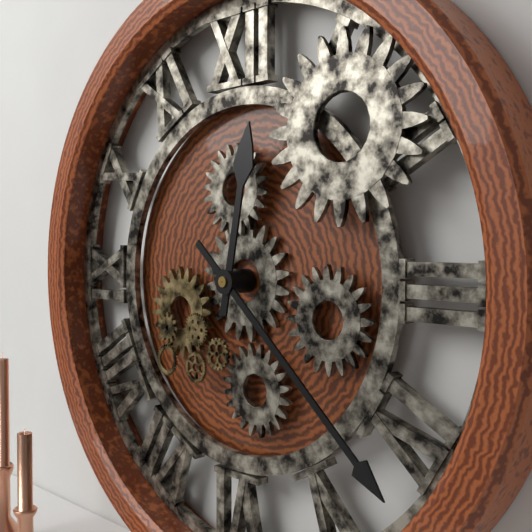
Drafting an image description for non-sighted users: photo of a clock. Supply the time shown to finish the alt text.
12:22
